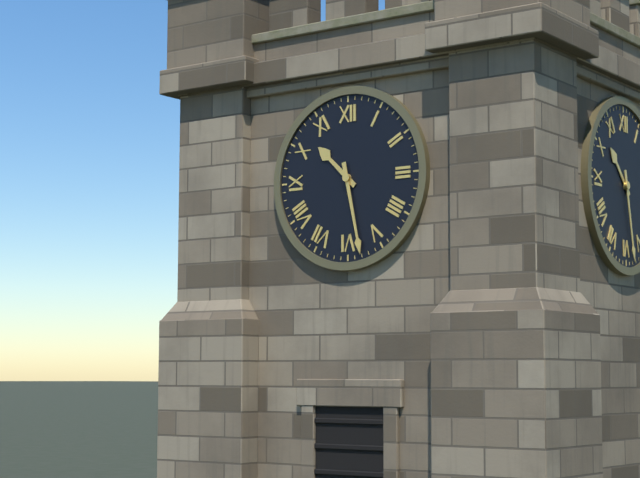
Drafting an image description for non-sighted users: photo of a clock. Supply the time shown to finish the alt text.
10:28
